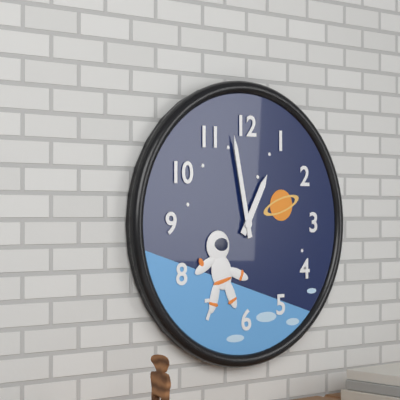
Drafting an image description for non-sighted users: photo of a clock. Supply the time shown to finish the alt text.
12:58
